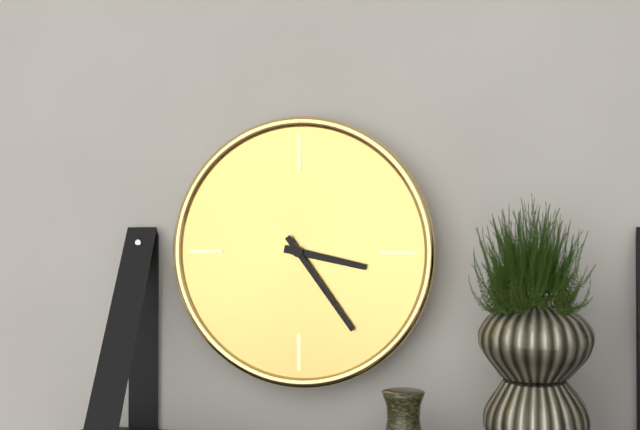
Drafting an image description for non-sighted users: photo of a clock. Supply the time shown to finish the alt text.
3:24
